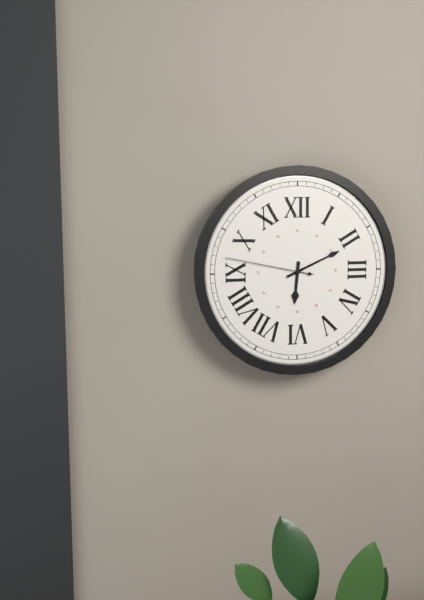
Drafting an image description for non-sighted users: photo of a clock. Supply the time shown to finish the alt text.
6:11:47
